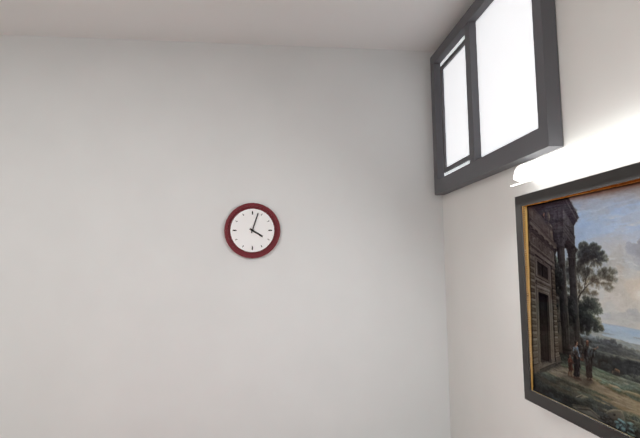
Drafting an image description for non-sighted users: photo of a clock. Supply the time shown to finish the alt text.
4:03
